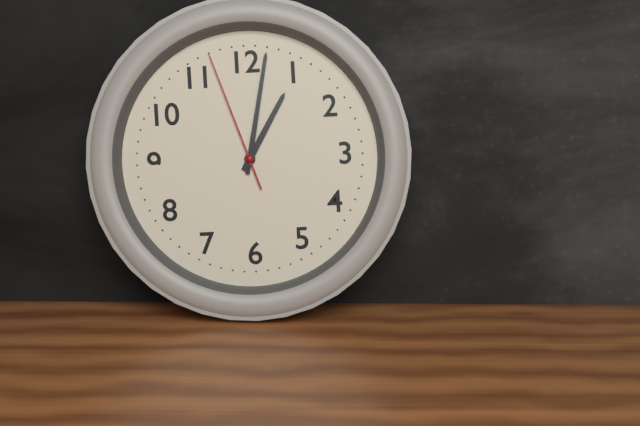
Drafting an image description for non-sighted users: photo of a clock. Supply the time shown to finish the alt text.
1:02:57
